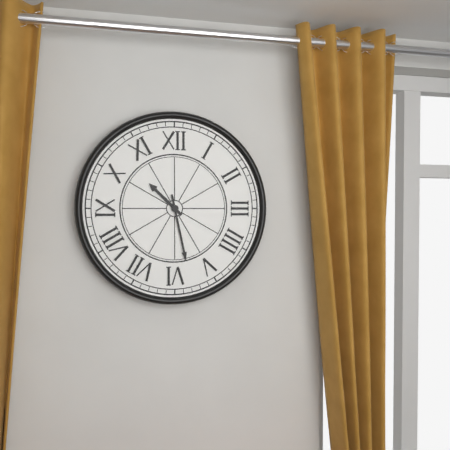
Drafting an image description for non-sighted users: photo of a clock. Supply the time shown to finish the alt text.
10:28
